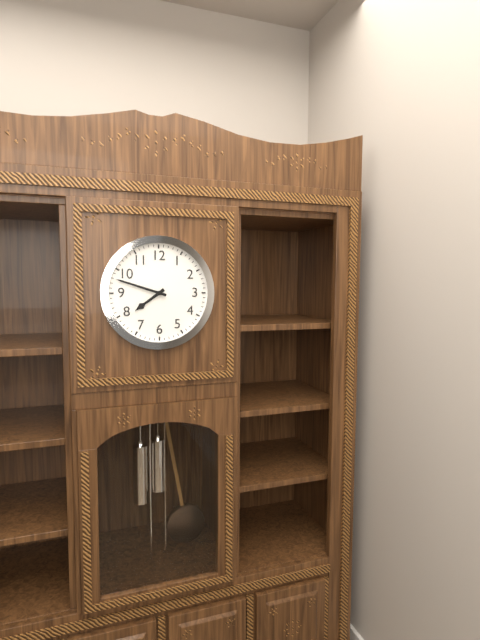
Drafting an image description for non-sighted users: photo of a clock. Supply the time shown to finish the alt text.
7:48
